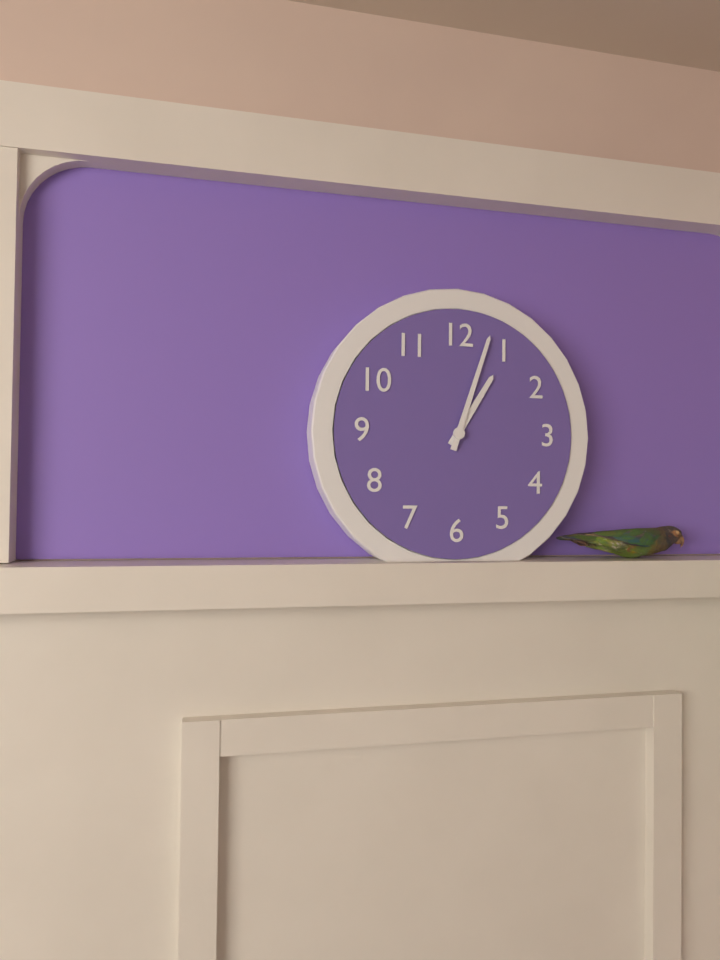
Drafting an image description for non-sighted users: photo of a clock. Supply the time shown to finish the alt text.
1:03
